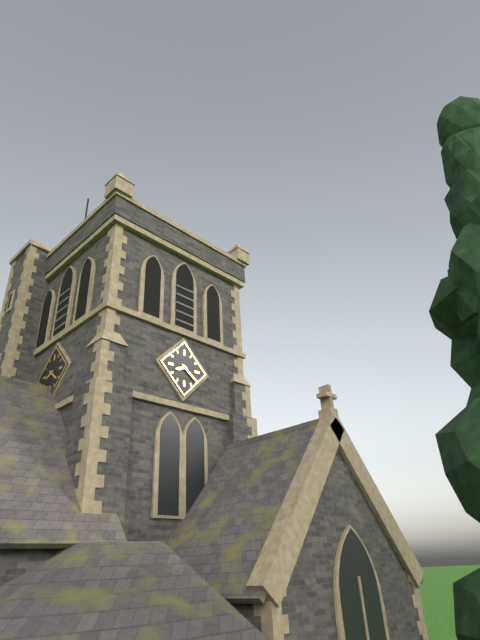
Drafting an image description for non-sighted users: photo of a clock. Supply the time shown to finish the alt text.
8:21
